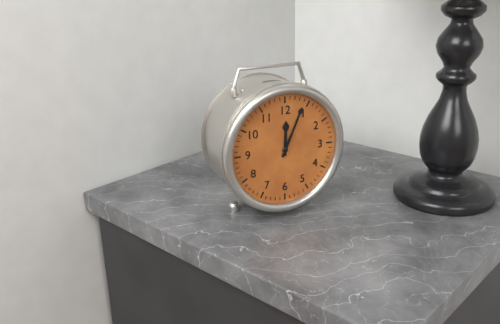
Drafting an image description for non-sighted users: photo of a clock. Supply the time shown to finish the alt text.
12:04
